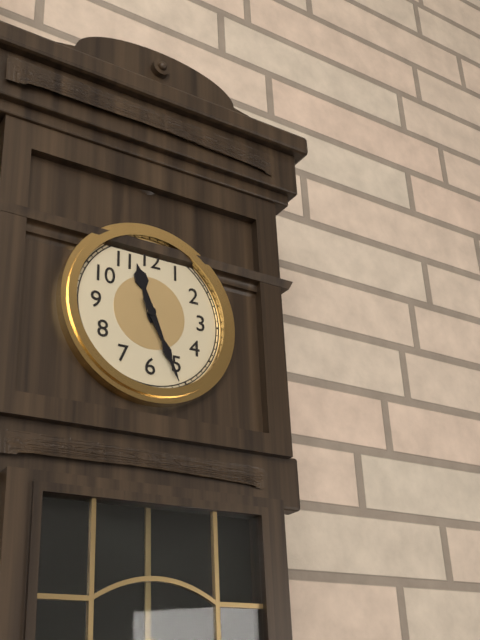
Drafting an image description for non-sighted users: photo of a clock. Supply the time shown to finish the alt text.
11:26
